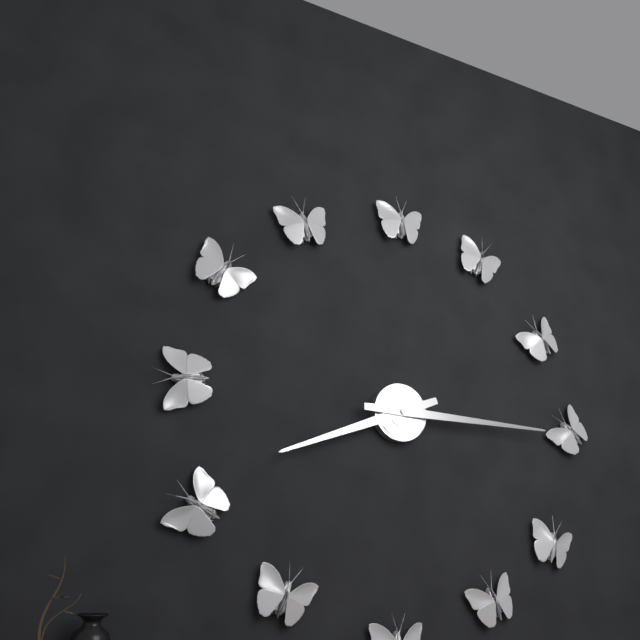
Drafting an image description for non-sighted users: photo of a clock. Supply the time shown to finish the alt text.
8:15
